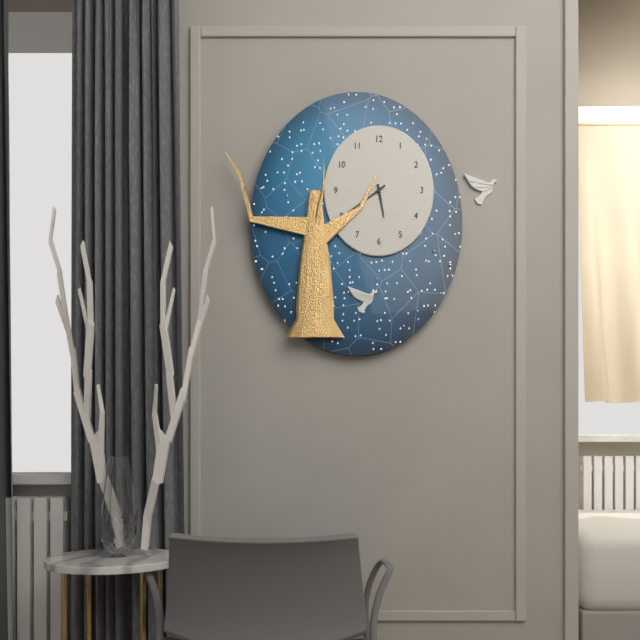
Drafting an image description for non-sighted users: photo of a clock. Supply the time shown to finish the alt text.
5:39
